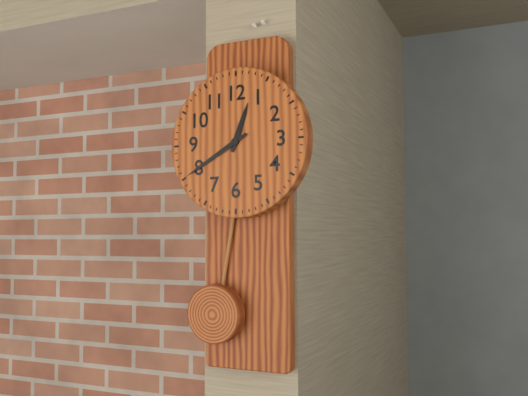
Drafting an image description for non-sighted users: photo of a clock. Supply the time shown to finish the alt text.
12:40
